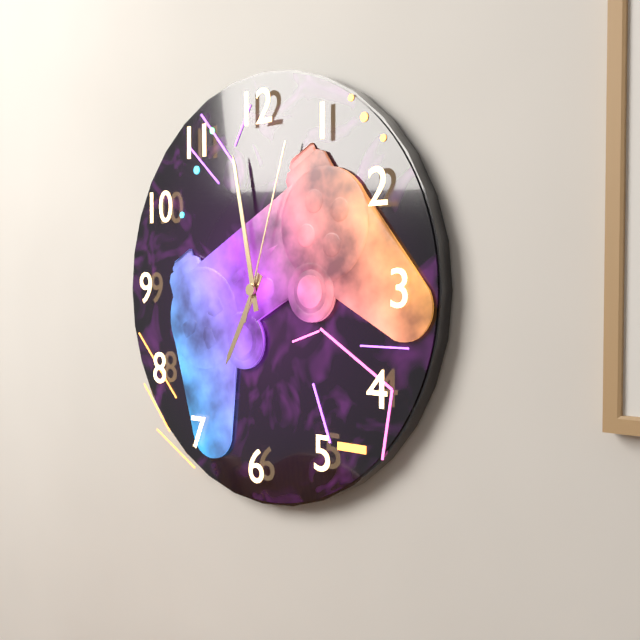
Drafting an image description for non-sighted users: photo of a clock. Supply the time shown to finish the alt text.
6:58:03
